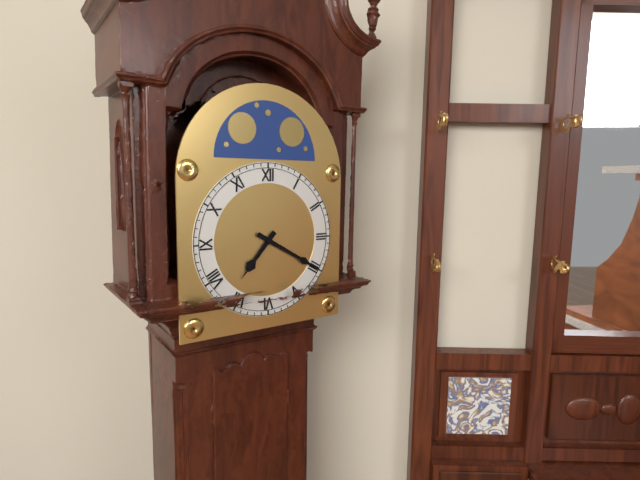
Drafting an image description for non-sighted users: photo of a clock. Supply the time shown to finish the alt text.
7:20
